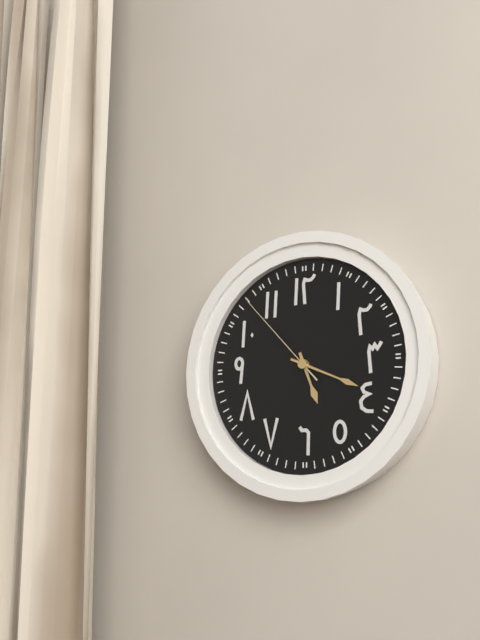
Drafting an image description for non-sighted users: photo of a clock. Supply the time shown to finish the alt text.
5:19:53
